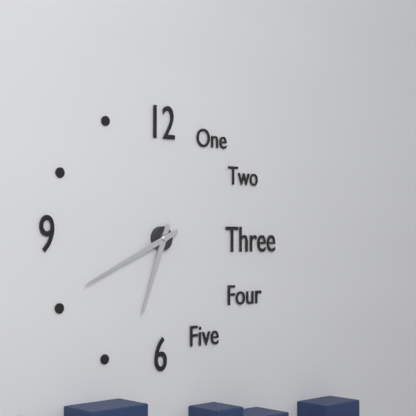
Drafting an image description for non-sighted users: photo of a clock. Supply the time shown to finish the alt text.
6:41
